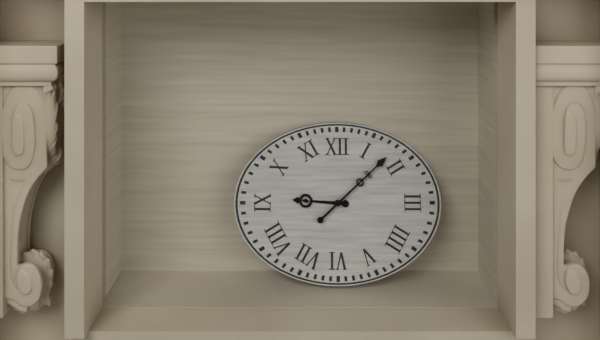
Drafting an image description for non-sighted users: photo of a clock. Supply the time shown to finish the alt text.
9:08
